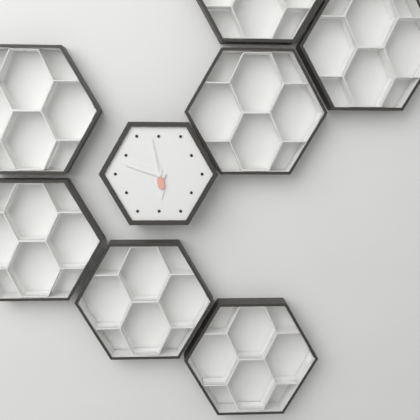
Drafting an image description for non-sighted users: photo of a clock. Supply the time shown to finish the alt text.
5:48
